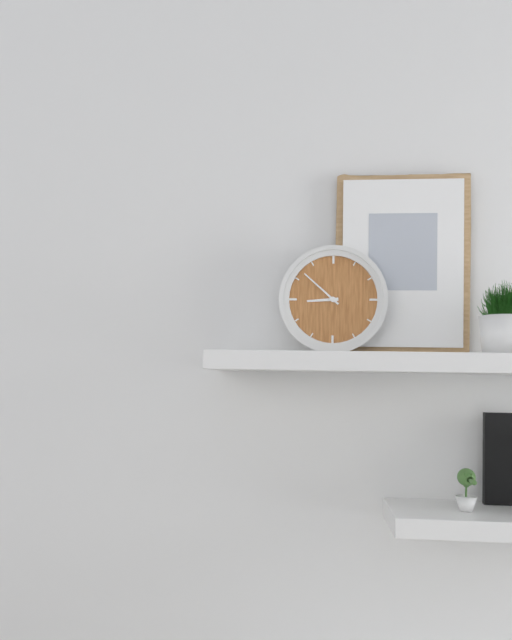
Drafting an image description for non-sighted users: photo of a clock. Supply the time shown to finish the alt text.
8:52
